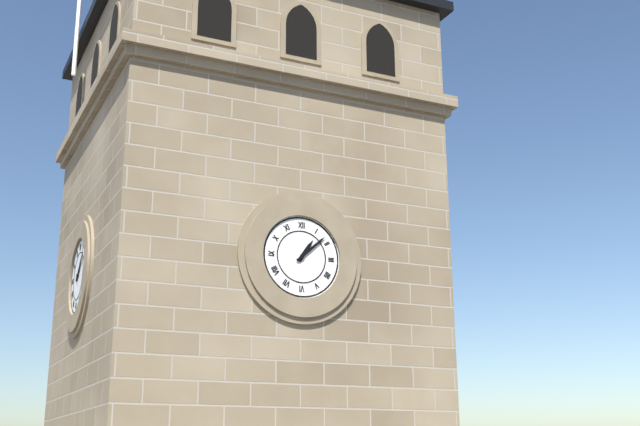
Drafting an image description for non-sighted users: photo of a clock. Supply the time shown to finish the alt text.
1:08
